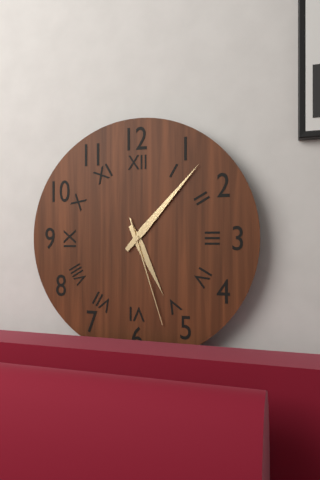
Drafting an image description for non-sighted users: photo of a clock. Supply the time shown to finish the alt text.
5:07:27
